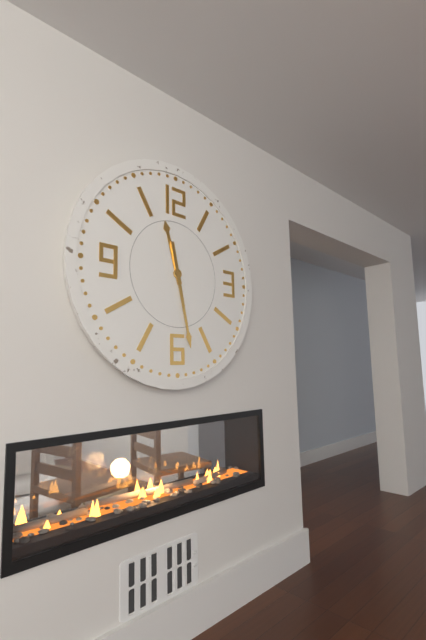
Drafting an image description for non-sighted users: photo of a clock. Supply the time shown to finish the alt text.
11:28
